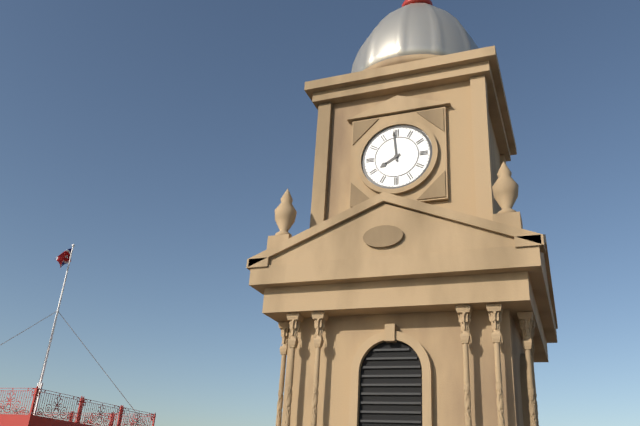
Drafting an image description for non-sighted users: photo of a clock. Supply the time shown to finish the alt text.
7:59
